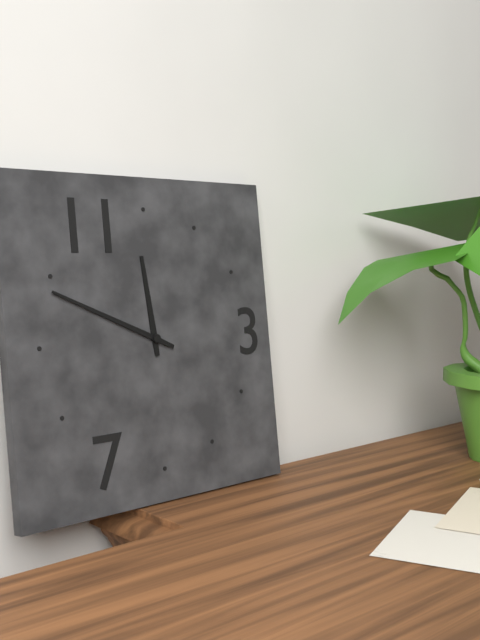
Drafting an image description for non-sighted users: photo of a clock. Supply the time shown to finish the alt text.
11:49
